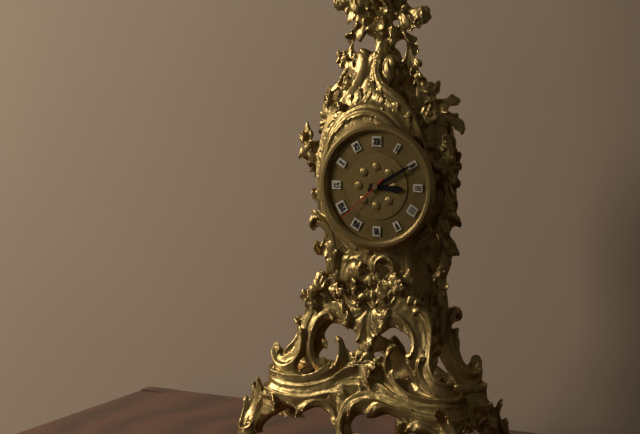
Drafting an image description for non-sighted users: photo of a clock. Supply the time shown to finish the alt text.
3:10:38
